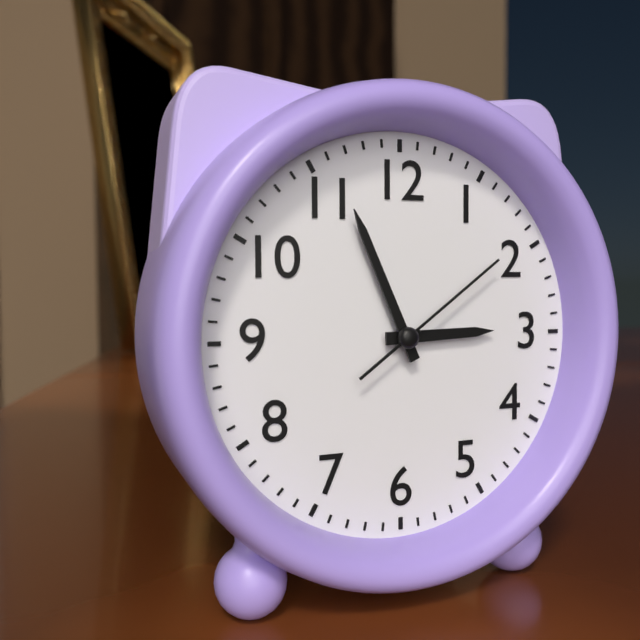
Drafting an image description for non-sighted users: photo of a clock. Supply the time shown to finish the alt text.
2:56:09
